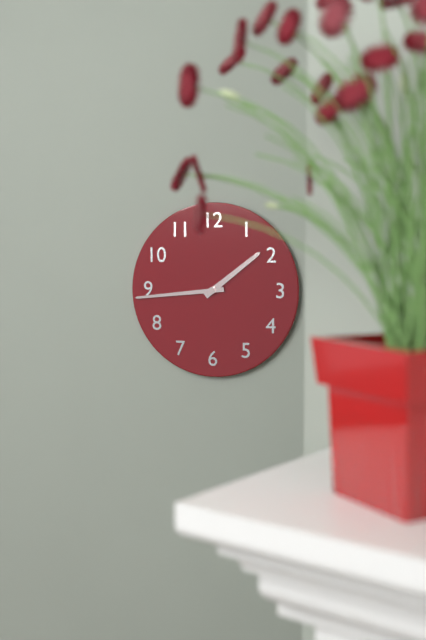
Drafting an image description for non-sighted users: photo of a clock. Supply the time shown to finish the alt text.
1:44
